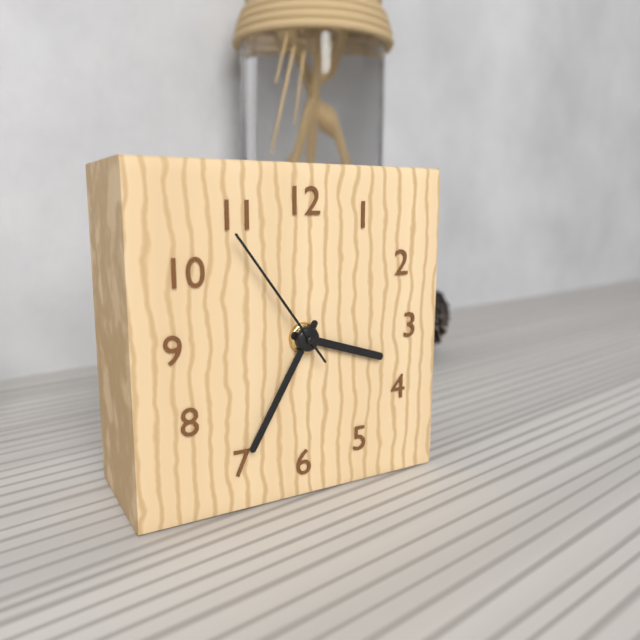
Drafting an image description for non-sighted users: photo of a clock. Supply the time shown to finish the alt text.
3:35:54
